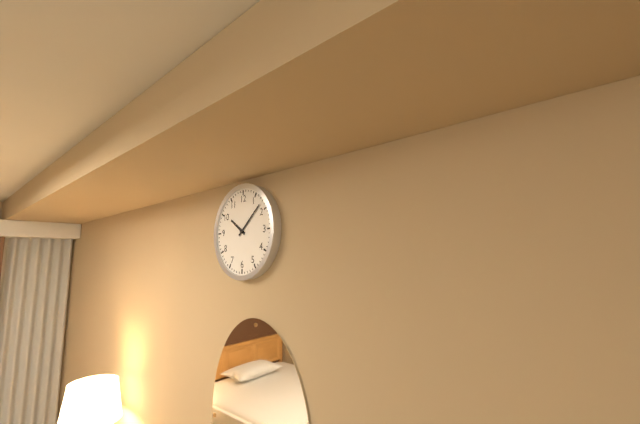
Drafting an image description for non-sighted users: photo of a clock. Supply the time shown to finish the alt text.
10:08
